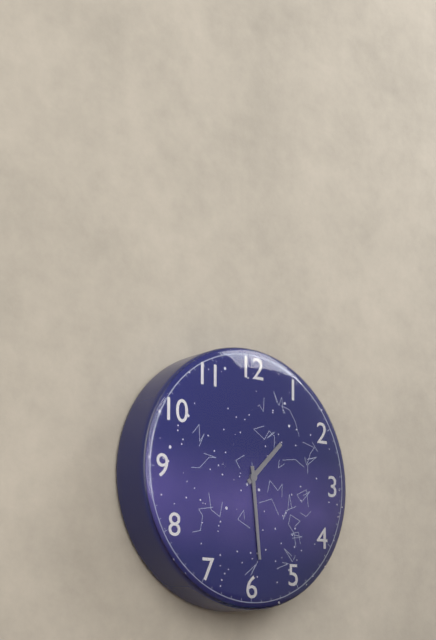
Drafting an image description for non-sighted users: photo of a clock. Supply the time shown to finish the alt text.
1:29
